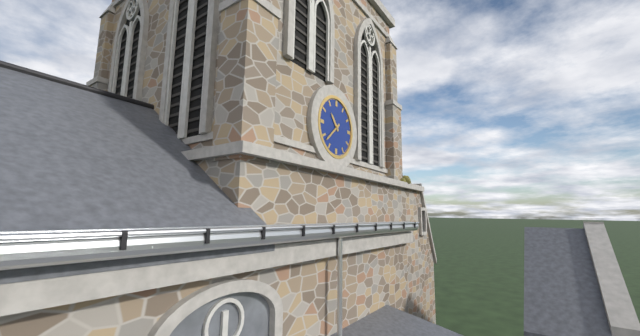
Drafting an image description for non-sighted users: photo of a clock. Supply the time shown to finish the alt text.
10:38
